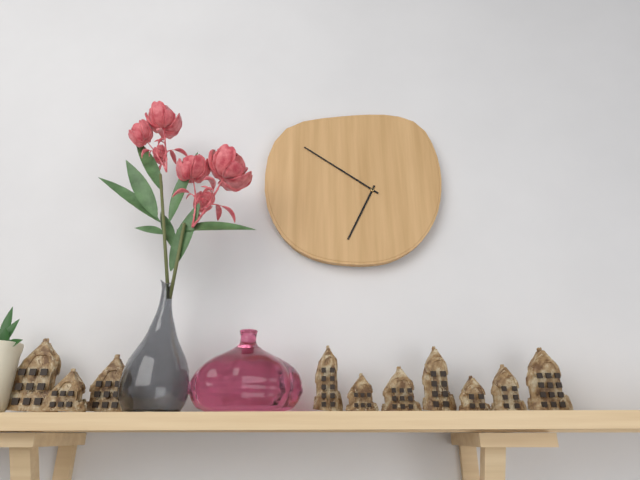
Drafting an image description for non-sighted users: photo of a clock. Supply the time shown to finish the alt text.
6:51
